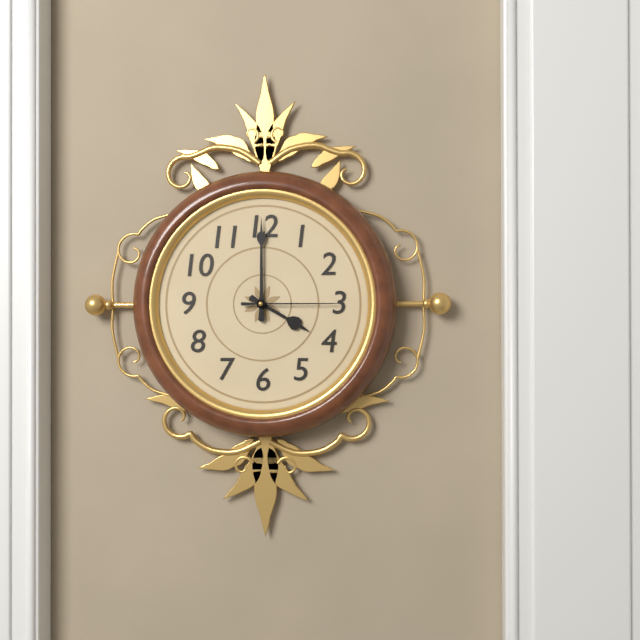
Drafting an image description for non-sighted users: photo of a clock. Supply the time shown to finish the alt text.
4:00:15
